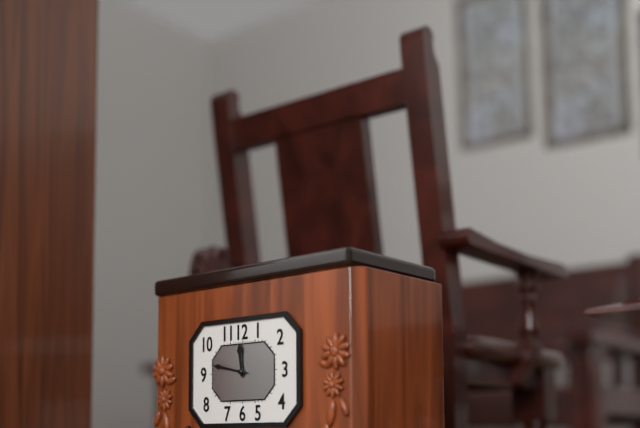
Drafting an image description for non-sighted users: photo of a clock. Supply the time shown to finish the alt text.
11:47
